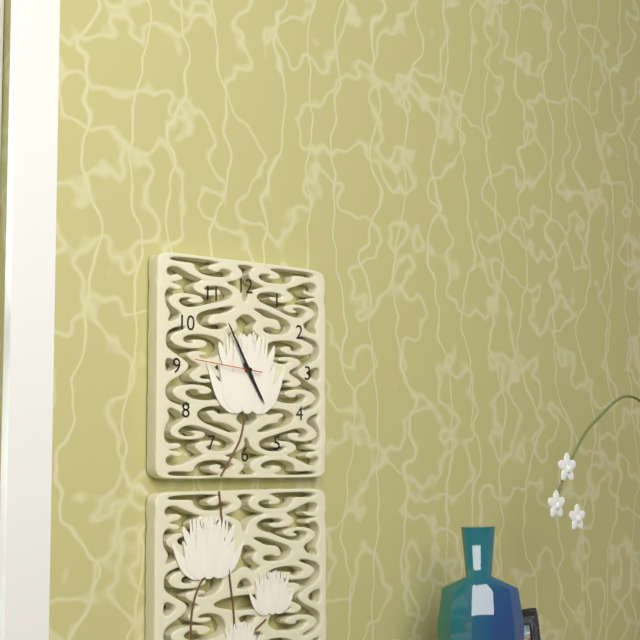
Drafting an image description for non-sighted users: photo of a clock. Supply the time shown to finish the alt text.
4:55:46
